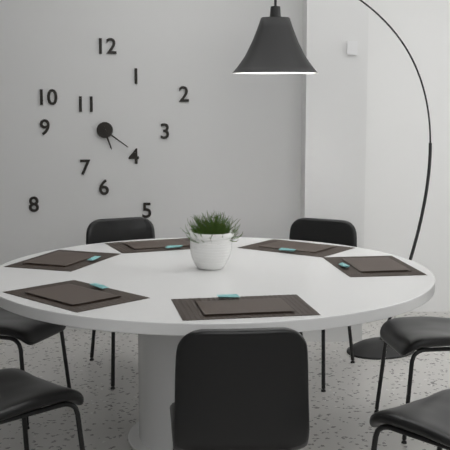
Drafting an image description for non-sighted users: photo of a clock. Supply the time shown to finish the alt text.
5:21
